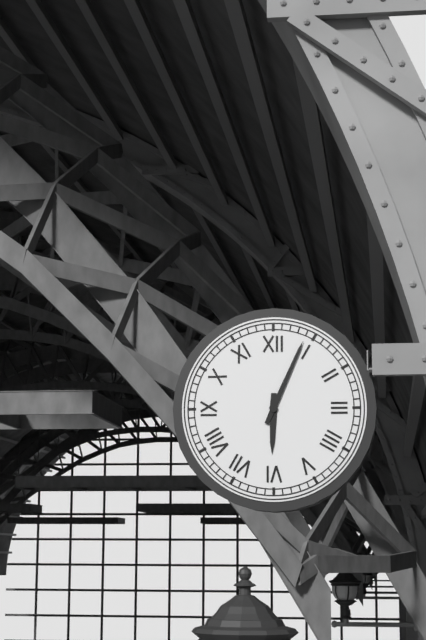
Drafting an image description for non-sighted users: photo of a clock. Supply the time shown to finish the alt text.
6:04
